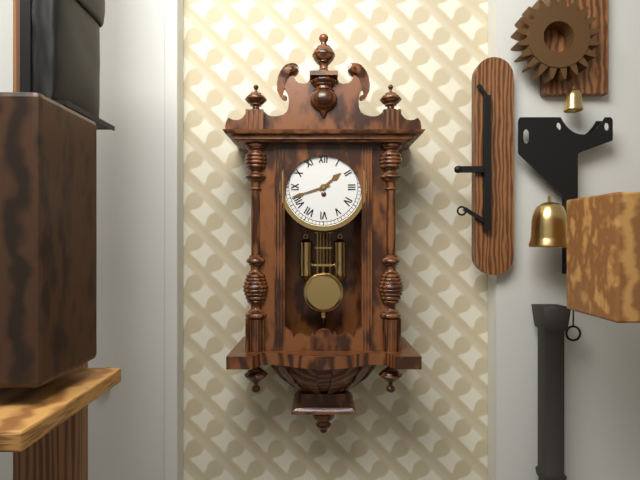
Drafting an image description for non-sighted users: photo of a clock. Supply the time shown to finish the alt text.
1:42
